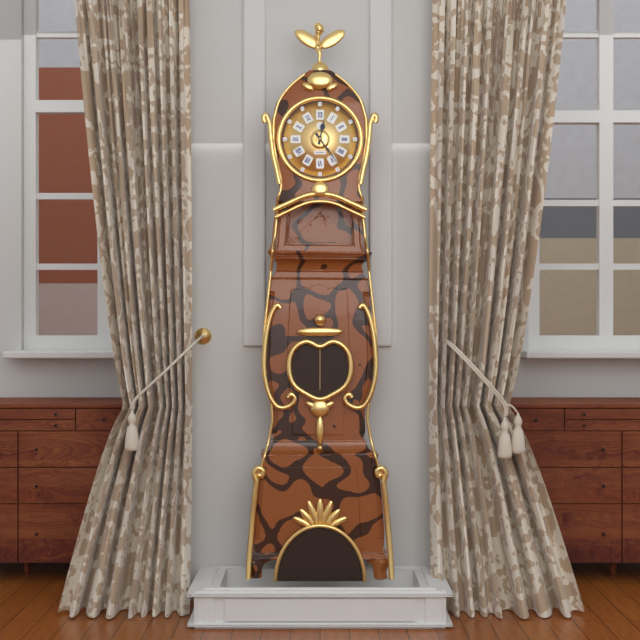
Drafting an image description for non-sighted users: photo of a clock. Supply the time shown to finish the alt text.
12:24
